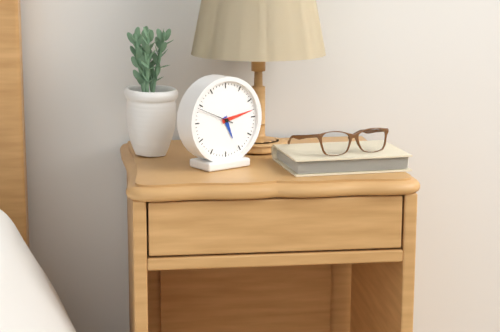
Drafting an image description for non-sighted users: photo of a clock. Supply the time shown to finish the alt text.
5:13
